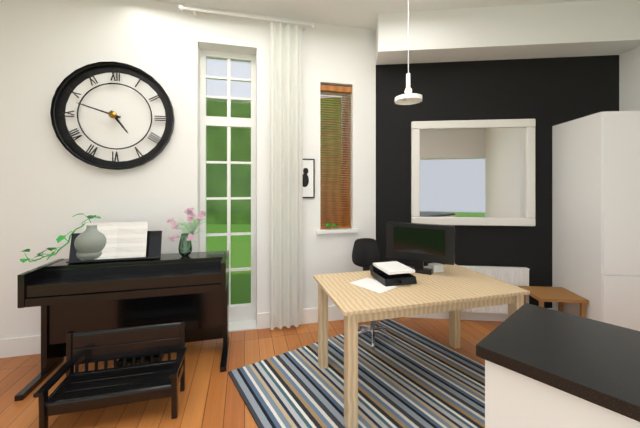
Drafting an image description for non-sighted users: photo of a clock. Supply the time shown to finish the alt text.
4:48
